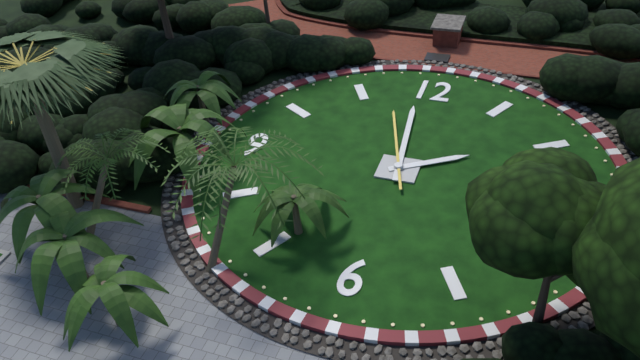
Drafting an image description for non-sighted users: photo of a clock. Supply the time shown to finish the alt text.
1:59:57
